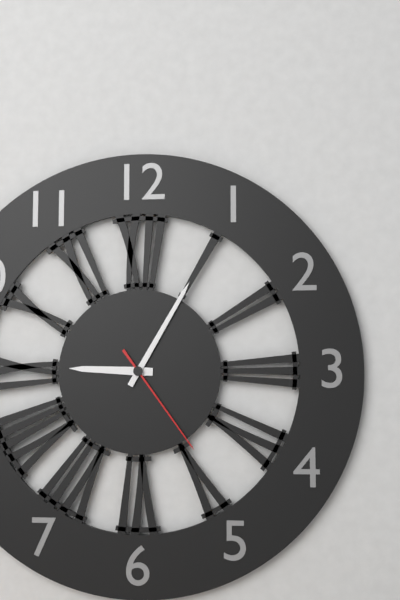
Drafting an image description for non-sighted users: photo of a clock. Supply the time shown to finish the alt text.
9:05:24
